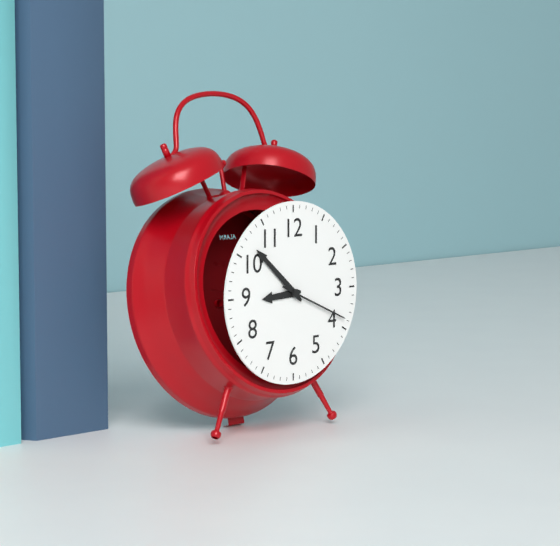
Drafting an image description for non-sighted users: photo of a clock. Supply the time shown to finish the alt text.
8:52:19
